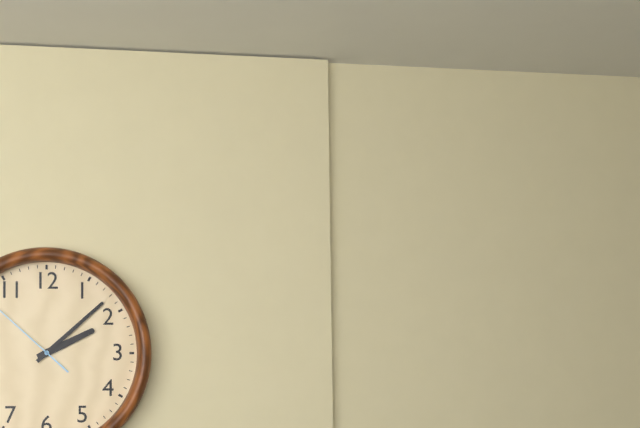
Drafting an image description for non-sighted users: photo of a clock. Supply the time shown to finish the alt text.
2:08
